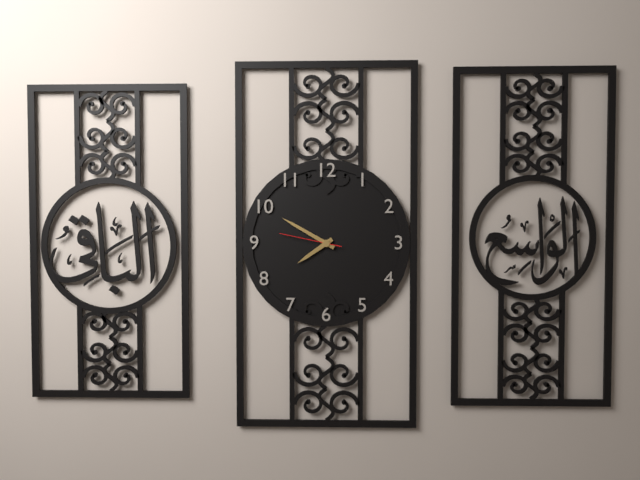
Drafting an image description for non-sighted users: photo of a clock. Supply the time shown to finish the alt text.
7:50:47
